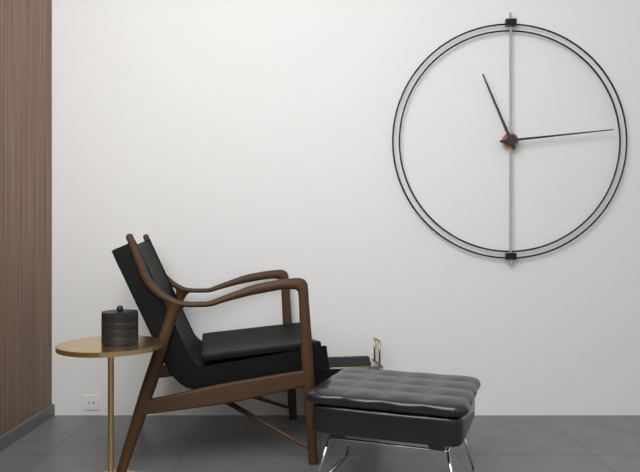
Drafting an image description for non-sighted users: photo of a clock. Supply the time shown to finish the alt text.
11:14
